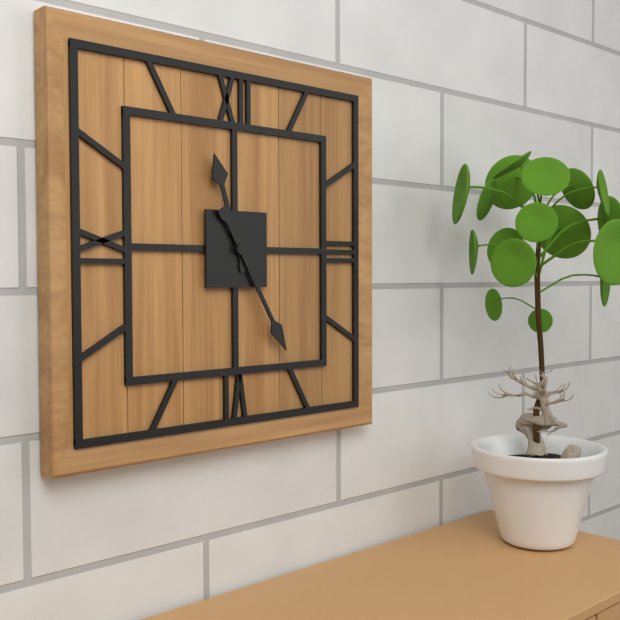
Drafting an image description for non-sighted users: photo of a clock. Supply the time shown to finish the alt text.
11:25
